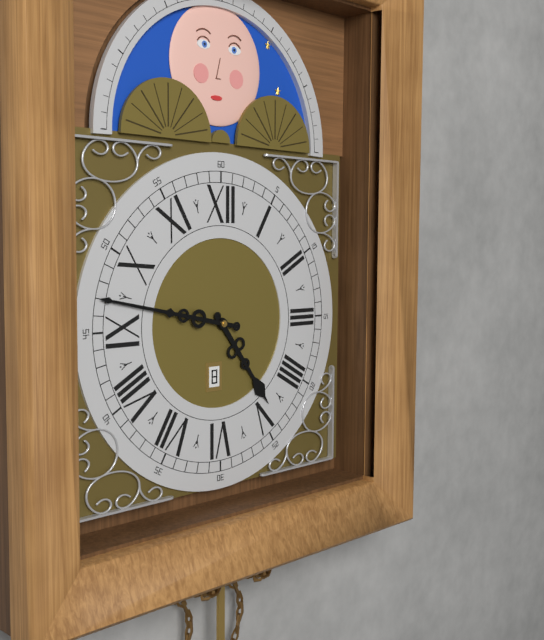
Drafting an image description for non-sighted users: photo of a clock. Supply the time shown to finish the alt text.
4:47
